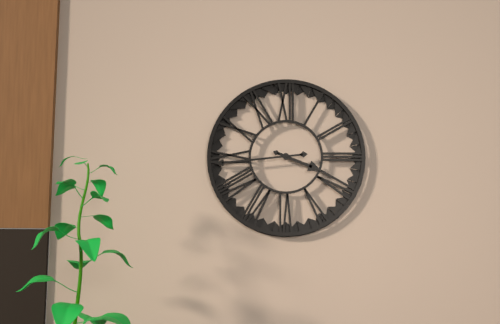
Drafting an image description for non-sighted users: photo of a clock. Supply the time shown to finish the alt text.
3:44
